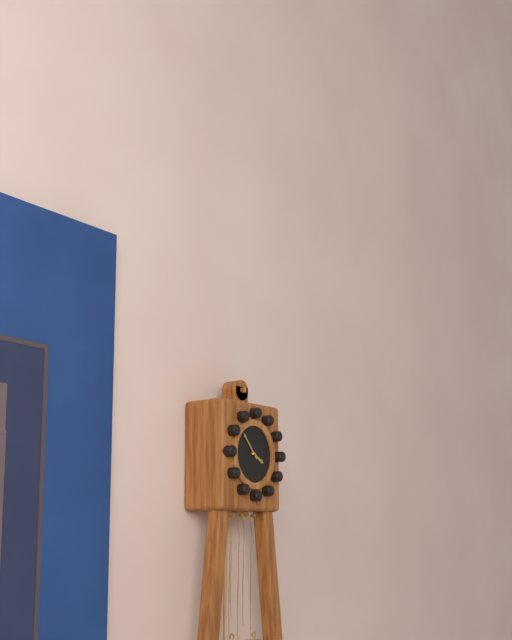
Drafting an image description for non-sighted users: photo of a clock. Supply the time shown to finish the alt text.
3:53
